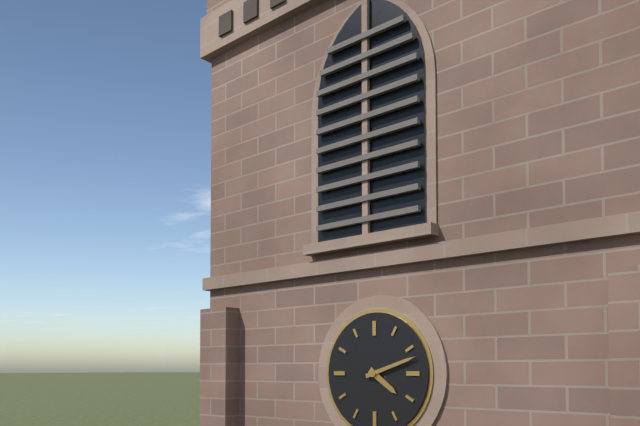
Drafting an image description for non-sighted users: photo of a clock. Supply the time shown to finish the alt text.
4:12
